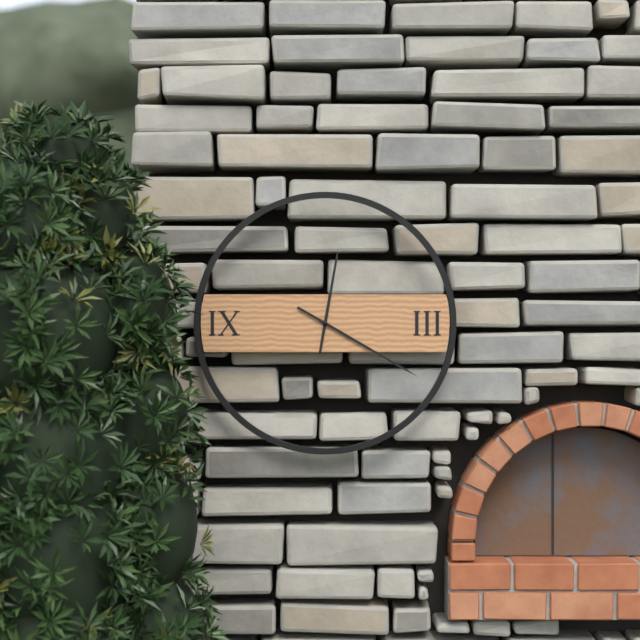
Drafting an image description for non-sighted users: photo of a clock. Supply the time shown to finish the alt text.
12:20
